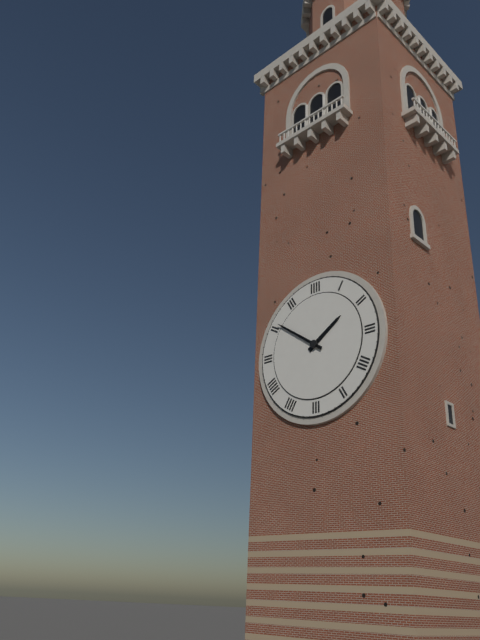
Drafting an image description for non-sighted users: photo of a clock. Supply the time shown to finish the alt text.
1:51
